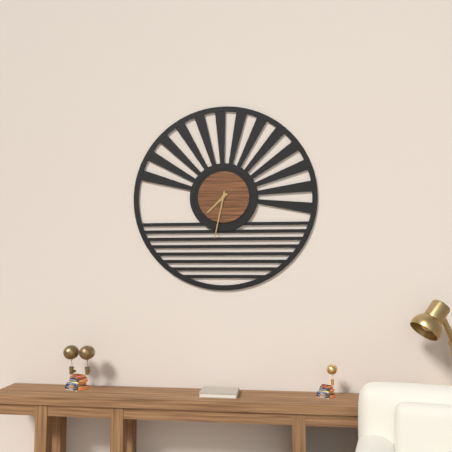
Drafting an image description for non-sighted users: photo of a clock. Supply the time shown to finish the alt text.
7:32
